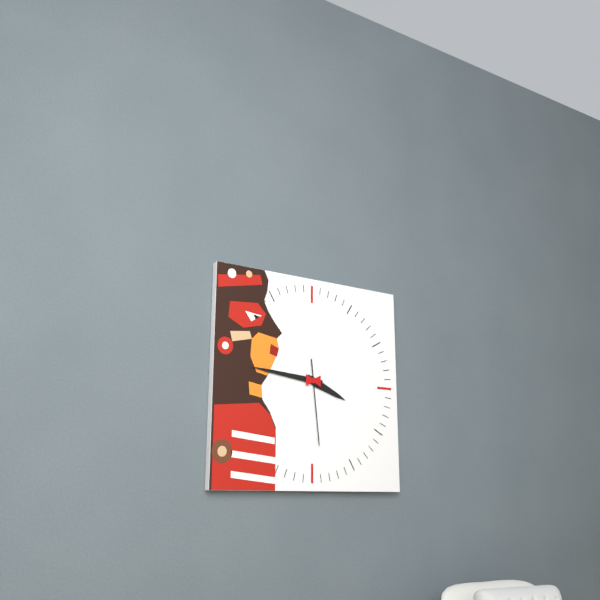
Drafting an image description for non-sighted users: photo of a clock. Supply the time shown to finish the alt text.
3:46:29
